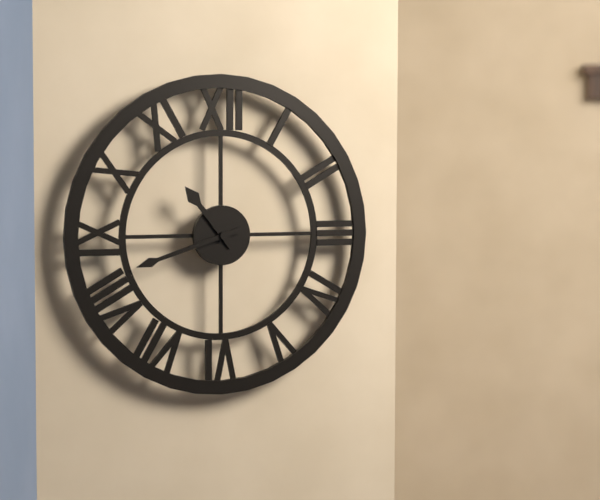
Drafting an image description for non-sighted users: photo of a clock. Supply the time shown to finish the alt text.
10:42
